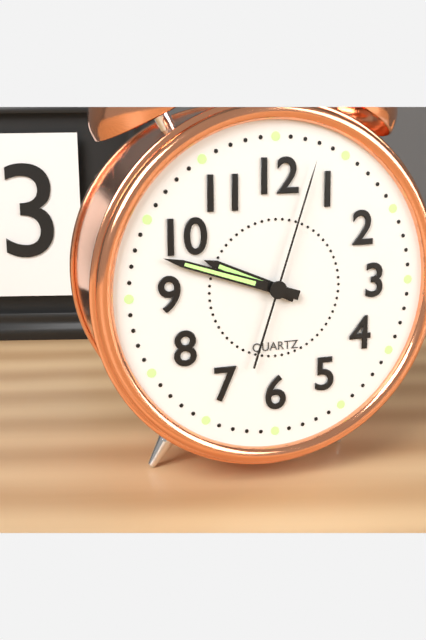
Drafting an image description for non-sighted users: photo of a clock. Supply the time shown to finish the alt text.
9:48:03
